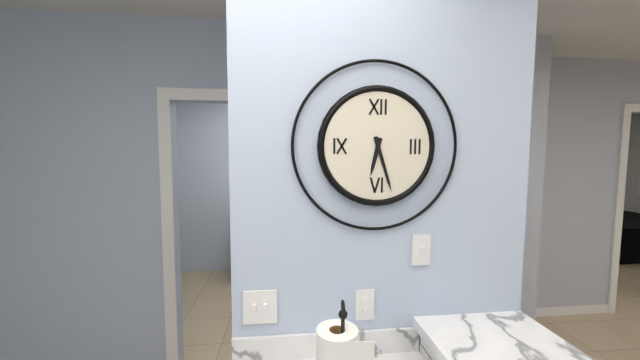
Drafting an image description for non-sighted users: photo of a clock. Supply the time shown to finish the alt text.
6:27
